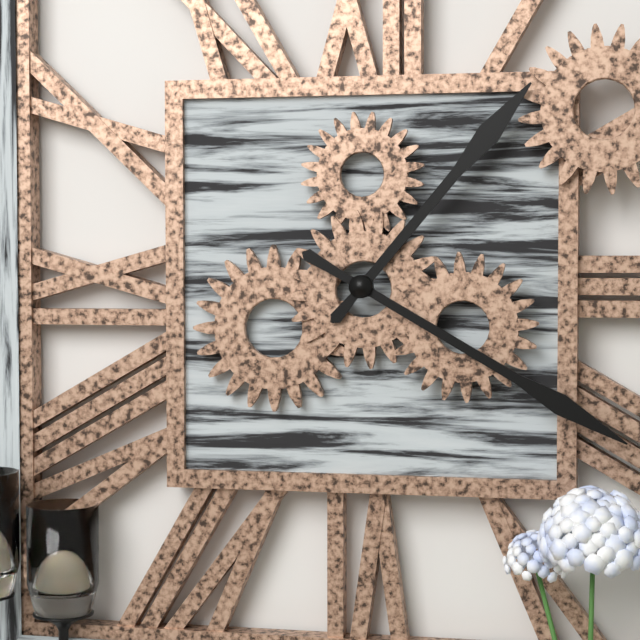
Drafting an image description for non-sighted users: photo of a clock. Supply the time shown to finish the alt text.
1:20
